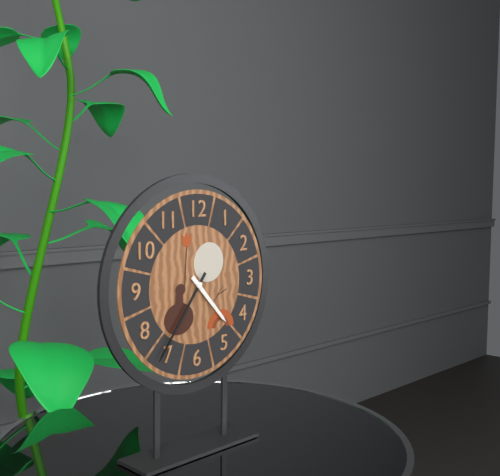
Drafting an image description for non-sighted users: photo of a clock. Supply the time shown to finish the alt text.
4:36
